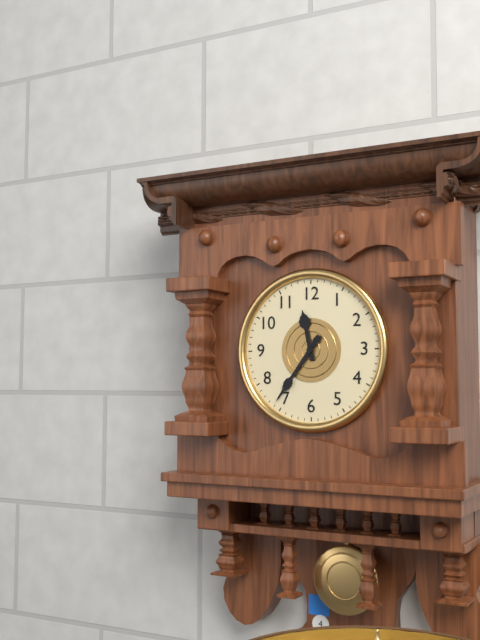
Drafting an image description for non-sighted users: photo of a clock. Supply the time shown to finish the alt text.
11:36
